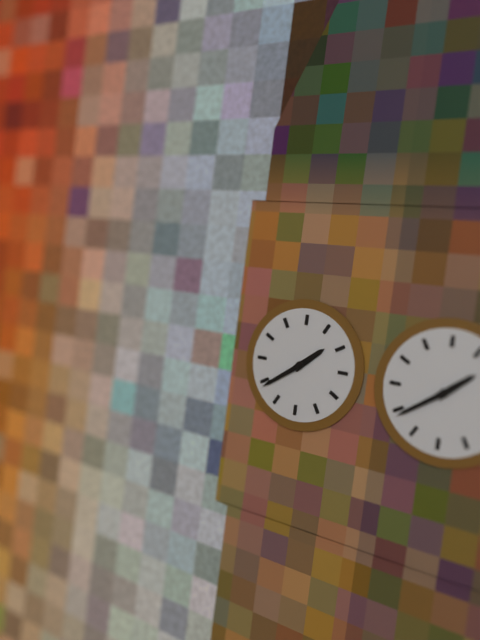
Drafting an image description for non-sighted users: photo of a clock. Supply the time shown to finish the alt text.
1:39
